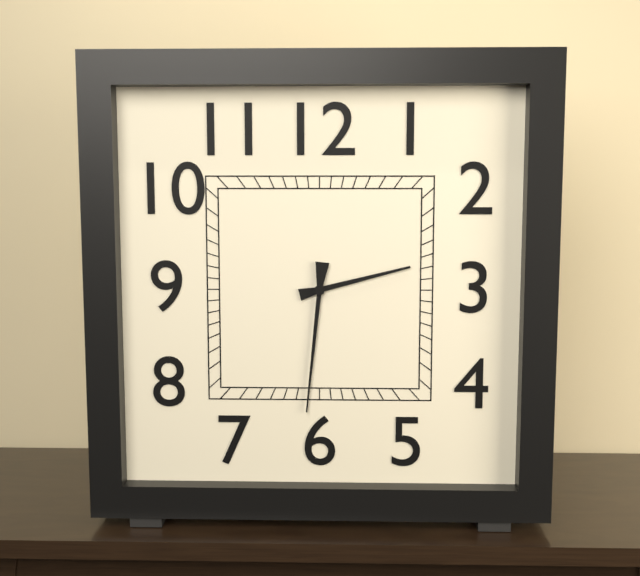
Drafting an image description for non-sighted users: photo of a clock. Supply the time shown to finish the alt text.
2:31
